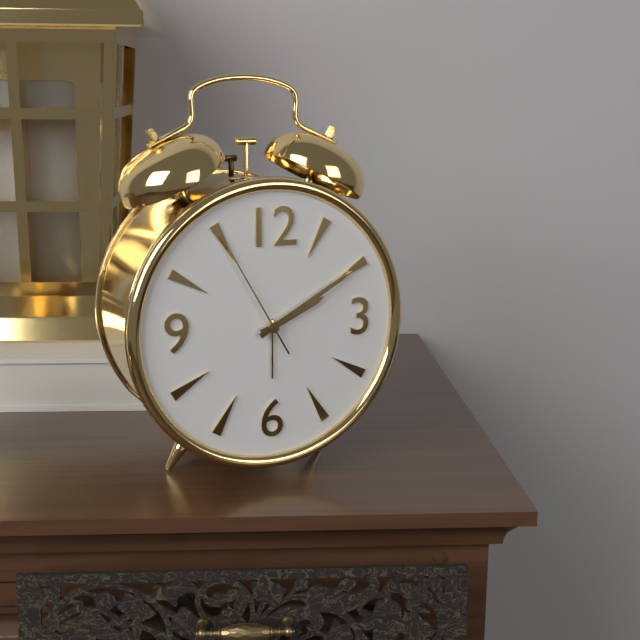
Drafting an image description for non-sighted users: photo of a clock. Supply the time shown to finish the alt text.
2:10:55
